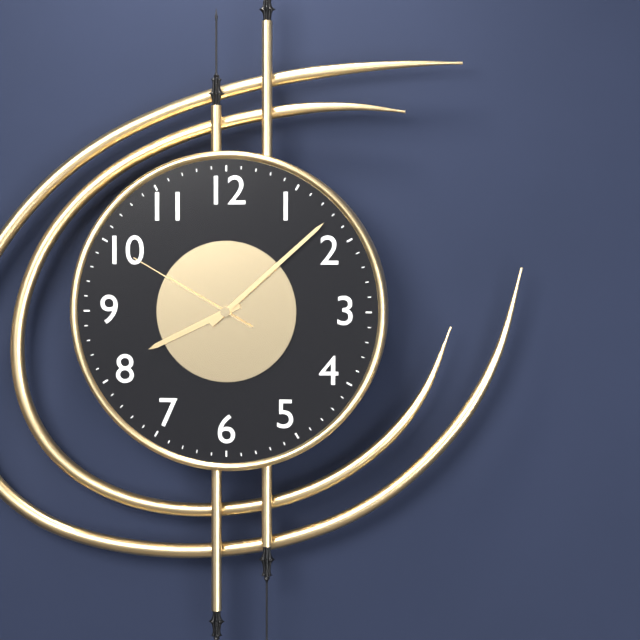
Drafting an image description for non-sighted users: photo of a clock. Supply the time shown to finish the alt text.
8:08:50
